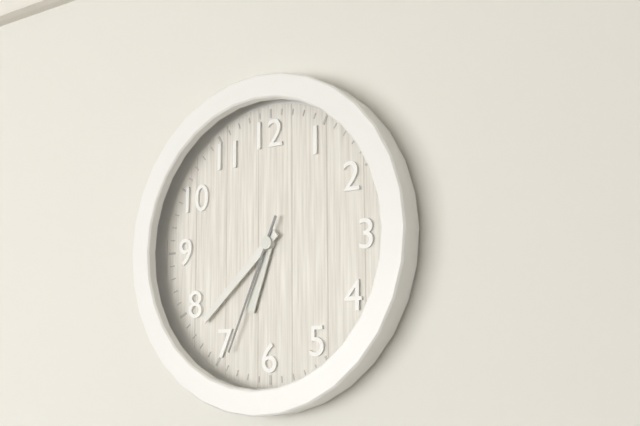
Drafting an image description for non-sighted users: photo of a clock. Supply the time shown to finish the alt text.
6:38:34
